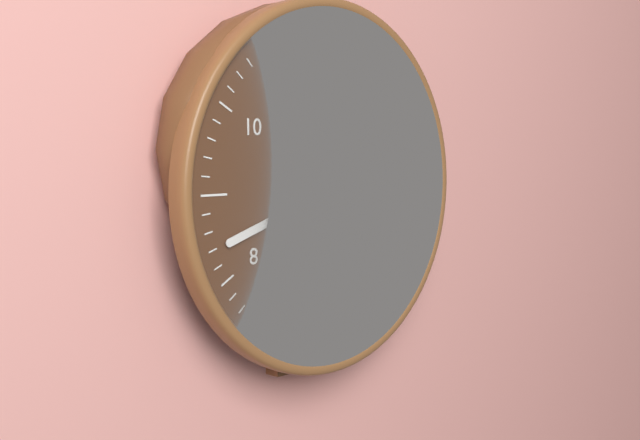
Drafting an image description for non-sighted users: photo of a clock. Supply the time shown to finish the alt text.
4:42:07
